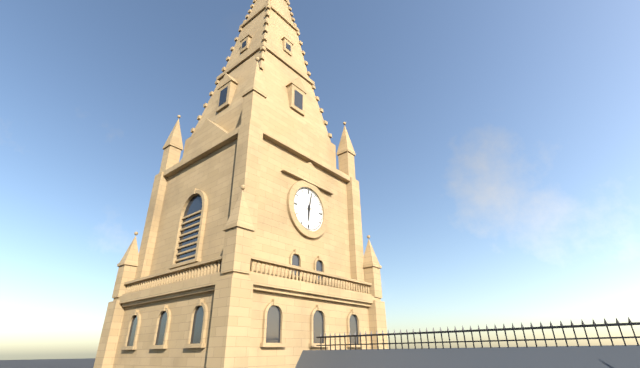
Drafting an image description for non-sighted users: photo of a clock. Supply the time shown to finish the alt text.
6:02
